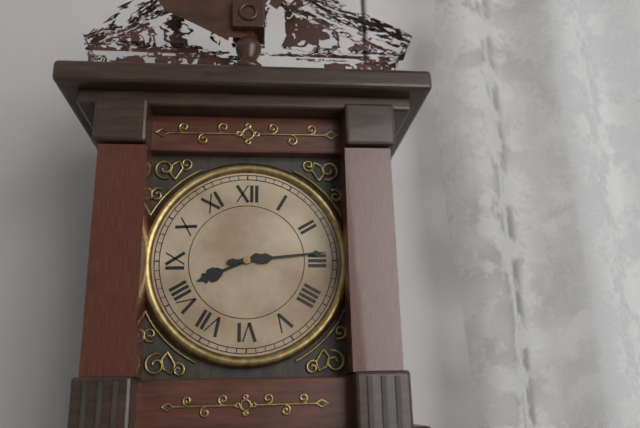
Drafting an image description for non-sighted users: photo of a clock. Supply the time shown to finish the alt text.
8:14
